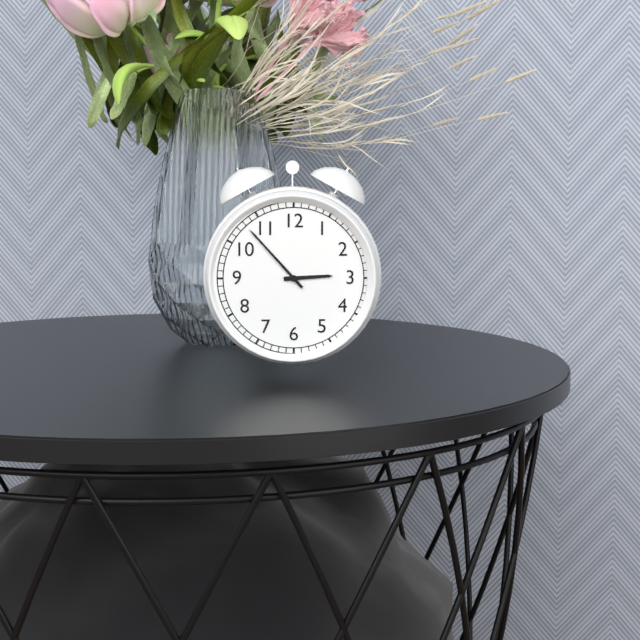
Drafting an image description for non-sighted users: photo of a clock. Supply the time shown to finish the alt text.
2:53
